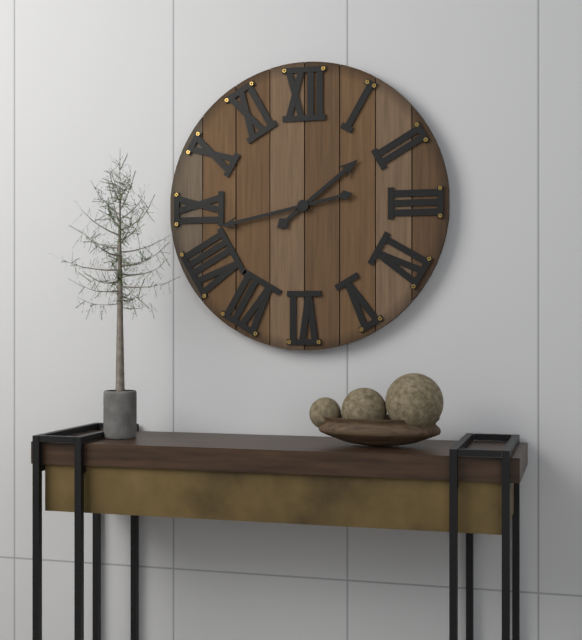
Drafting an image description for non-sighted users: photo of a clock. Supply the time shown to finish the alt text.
1:43
